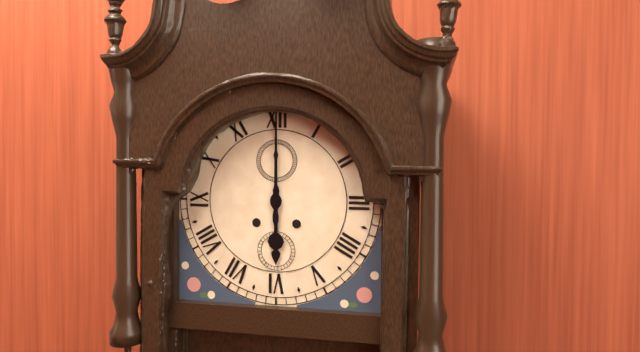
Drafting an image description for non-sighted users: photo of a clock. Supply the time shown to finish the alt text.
6:00
